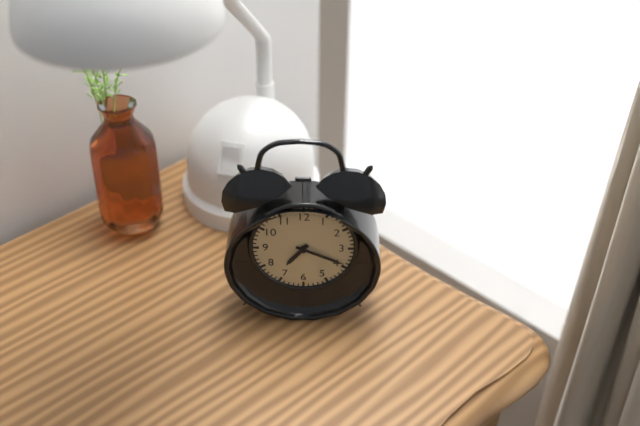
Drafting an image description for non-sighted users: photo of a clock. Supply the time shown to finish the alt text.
7:19
